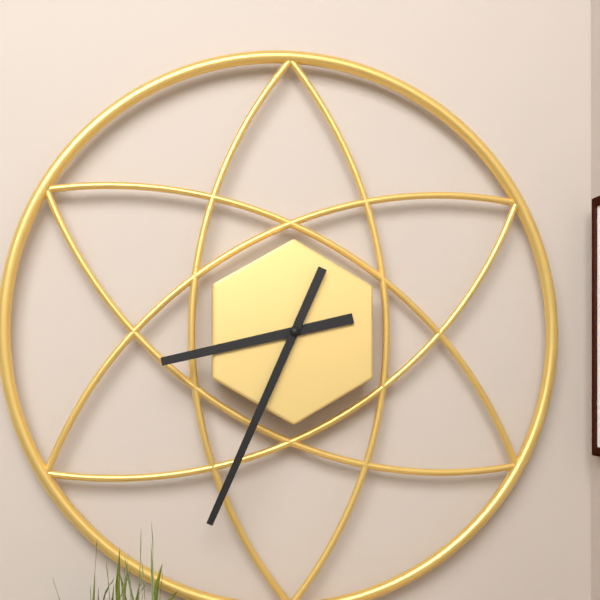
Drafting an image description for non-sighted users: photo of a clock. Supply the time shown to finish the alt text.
8:34
